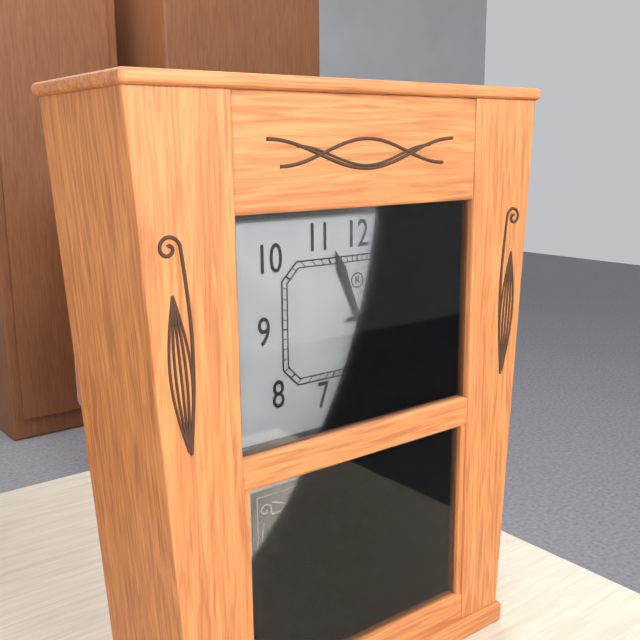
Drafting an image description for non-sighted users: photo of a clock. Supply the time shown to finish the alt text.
11:15
